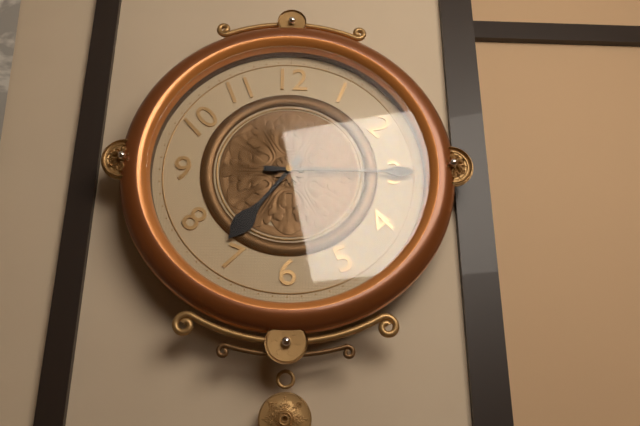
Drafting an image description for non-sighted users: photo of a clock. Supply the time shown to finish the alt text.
7:15
